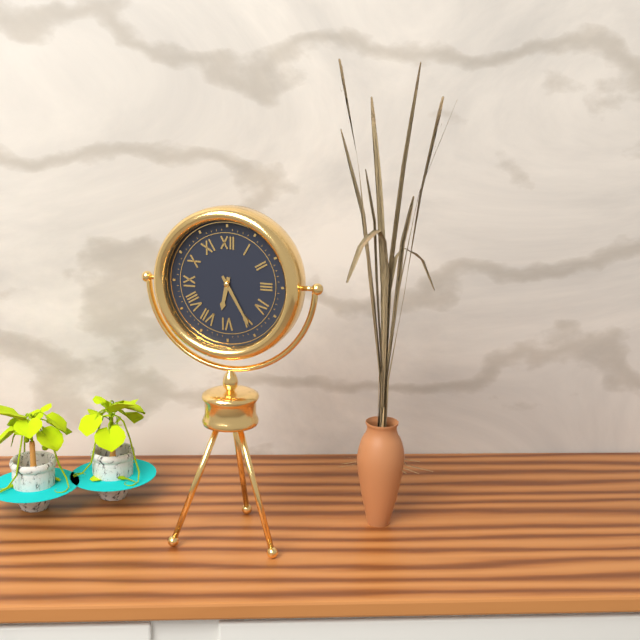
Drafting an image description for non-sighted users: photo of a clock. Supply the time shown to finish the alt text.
6:25
